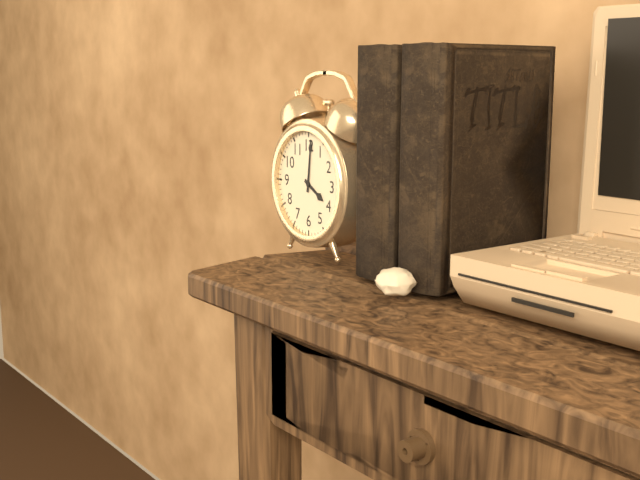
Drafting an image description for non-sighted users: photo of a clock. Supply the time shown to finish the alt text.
4:01
